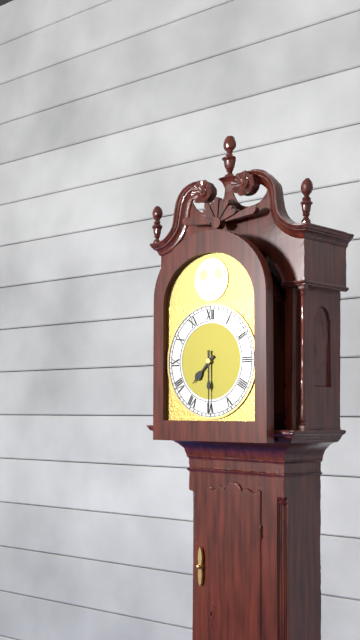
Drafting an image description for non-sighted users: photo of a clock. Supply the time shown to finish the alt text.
7:30
